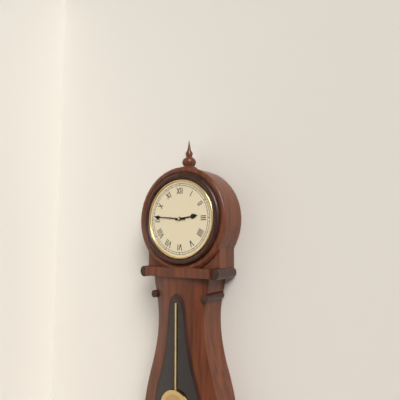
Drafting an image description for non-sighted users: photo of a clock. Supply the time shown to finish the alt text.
2:46
